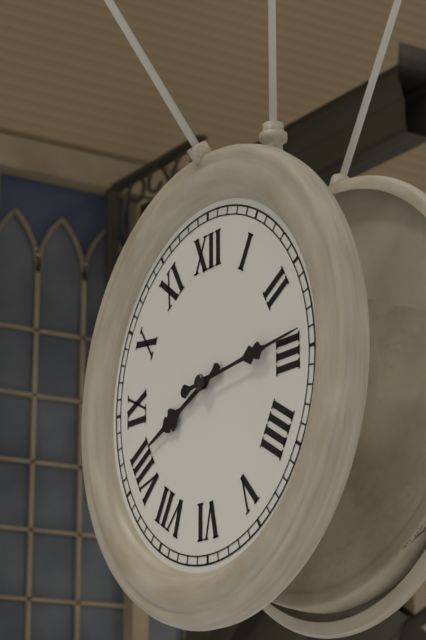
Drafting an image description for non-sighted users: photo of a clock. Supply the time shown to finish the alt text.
8:14
